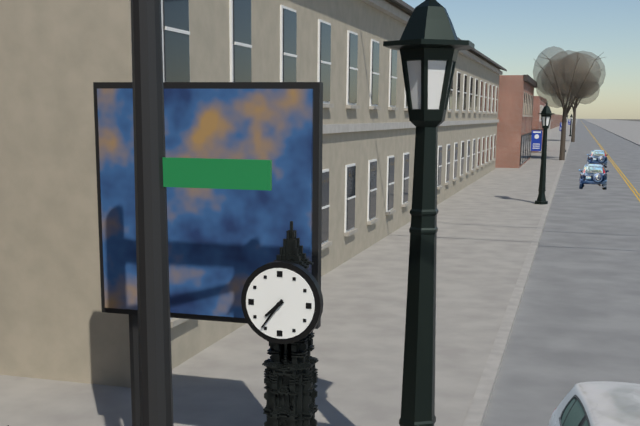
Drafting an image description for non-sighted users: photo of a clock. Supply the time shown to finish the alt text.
7:36
